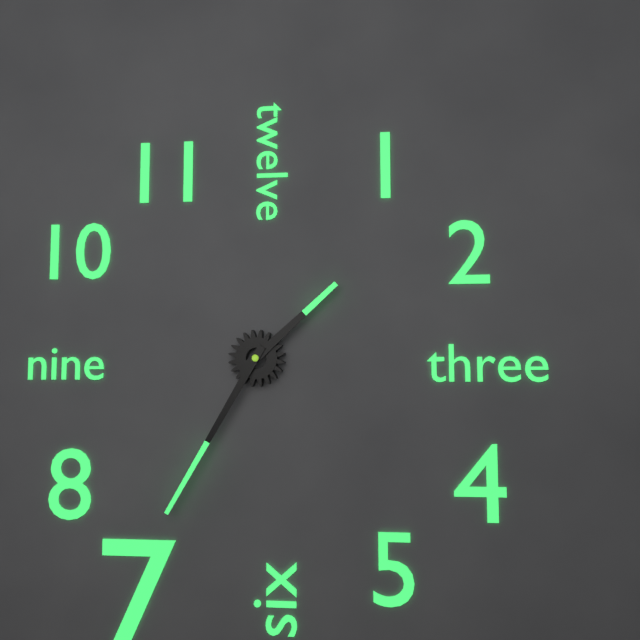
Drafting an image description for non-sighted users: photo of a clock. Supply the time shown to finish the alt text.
1:35
